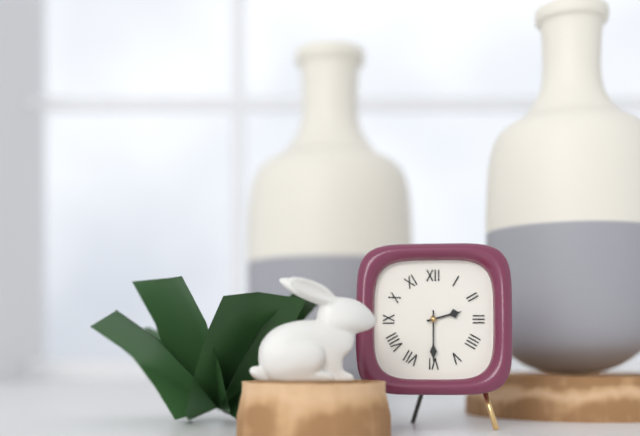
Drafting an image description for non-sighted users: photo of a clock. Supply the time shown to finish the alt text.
2:30
